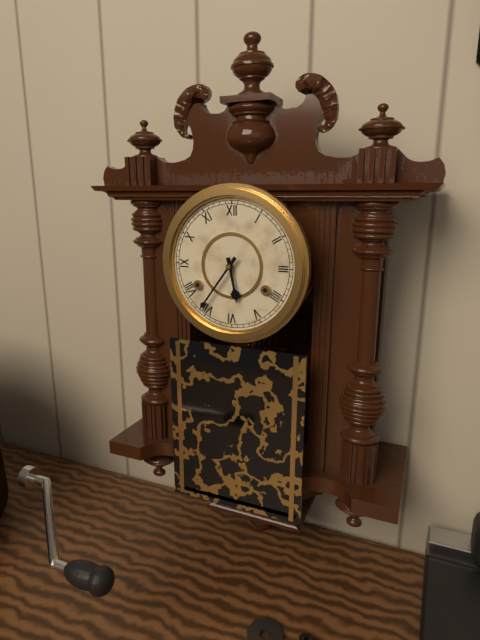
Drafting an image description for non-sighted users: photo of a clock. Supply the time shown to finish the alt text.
5:36
